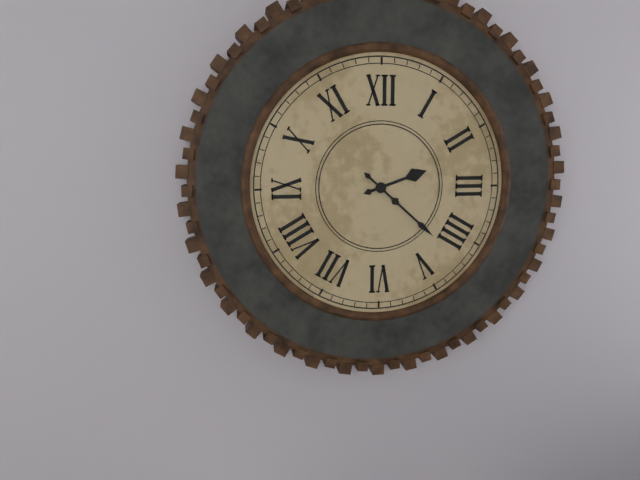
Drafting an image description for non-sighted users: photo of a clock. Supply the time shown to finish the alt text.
2:22
